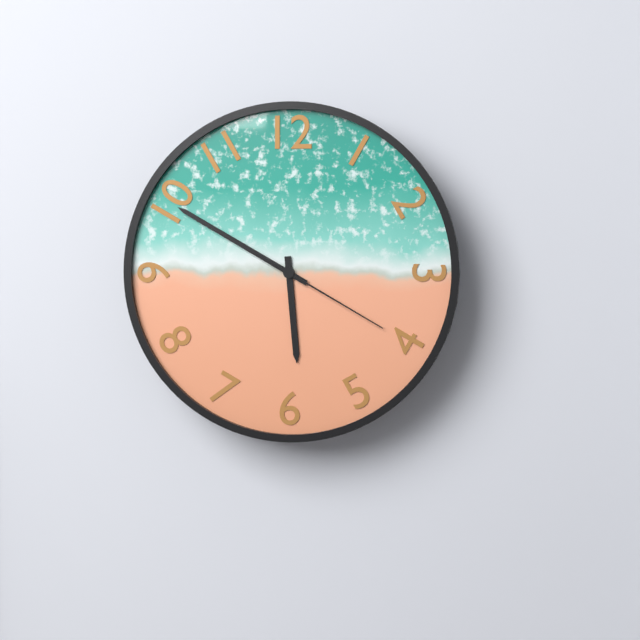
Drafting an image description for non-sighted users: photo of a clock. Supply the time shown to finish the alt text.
5:50:20
